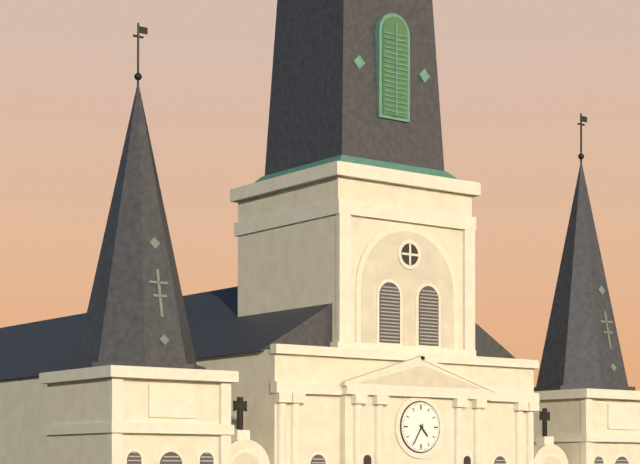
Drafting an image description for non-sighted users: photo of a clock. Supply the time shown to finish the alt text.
4:35
